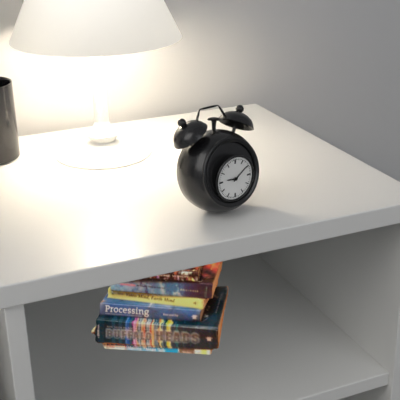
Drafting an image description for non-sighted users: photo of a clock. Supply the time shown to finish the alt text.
9:09
